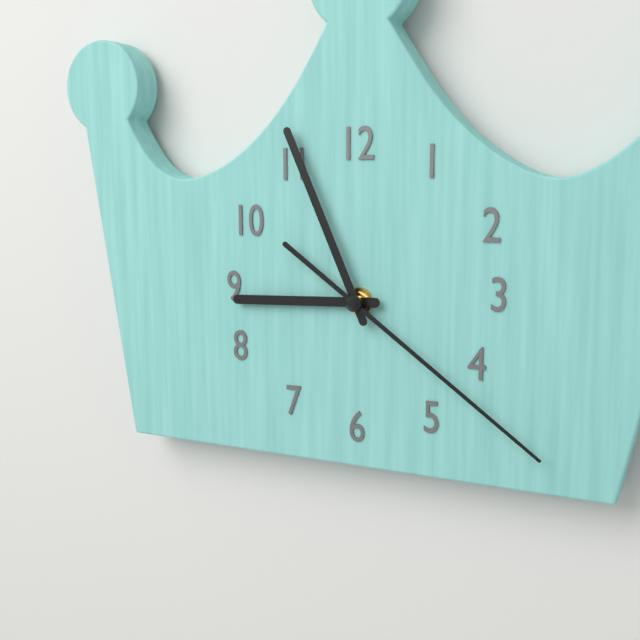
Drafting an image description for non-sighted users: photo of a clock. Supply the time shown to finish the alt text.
8:56:21
